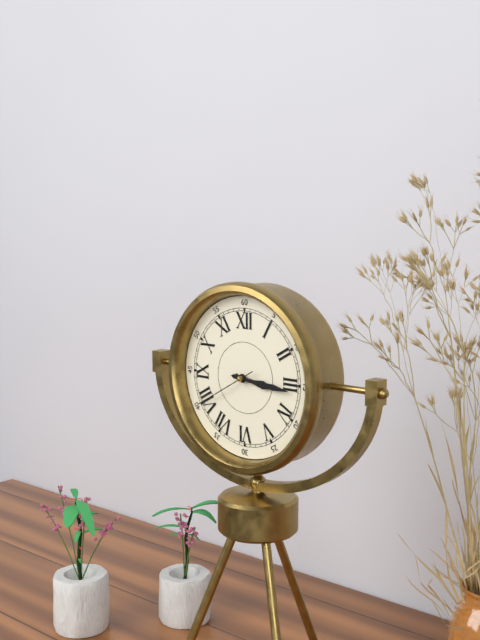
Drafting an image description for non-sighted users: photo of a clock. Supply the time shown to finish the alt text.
3:16:40
